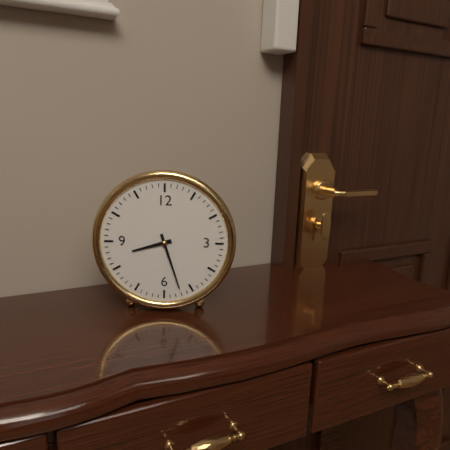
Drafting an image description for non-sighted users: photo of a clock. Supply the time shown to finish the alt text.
8:27
